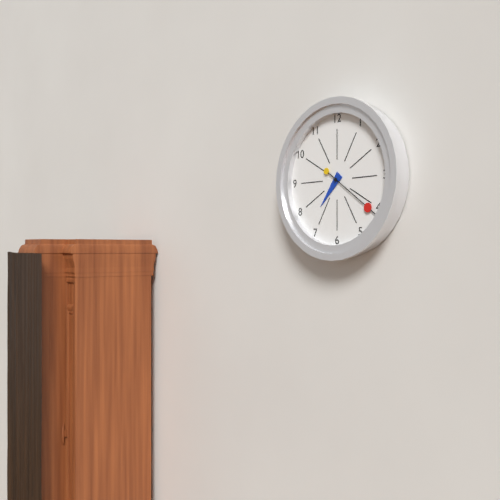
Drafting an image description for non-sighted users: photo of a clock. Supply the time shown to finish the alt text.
7:21
